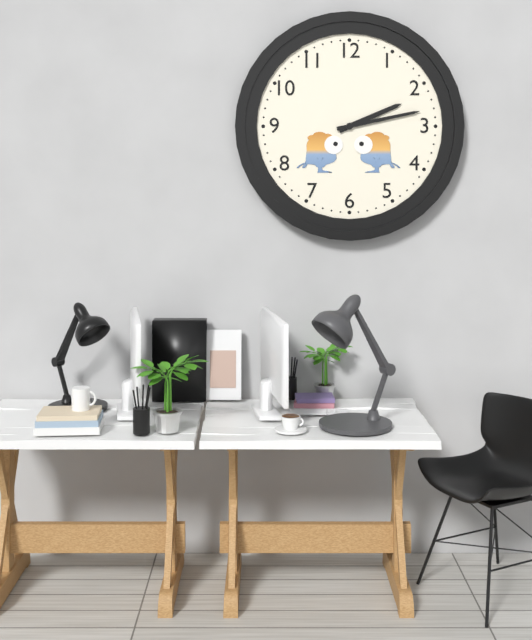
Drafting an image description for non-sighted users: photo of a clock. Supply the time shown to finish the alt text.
2:13
